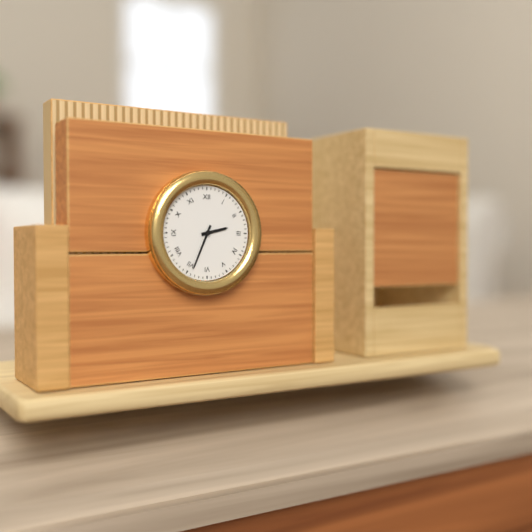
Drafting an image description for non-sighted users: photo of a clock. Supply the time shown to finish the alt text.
2:34
